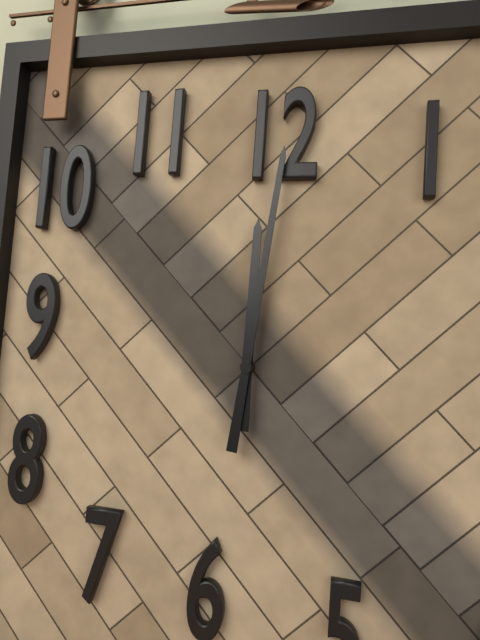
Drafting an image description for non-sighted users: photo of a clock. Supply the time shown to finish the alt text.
12:01
